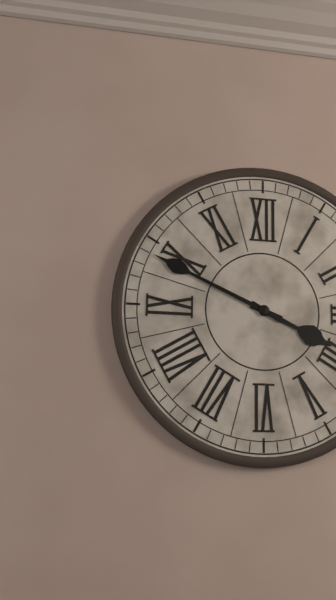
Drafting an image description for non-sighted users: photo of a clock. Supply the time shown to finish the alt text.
3:49
